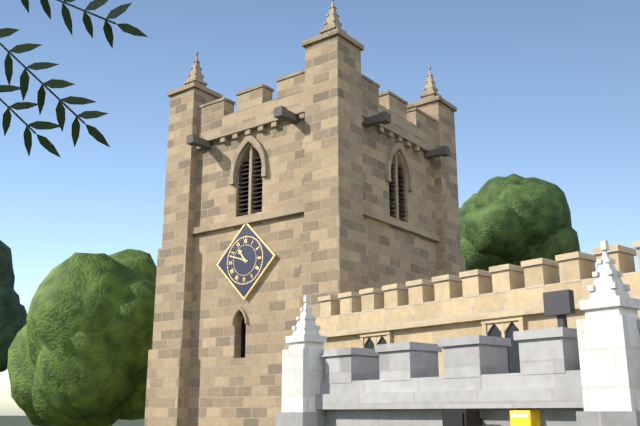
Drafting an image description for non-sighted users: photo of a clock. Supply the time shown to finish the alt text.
10:48
